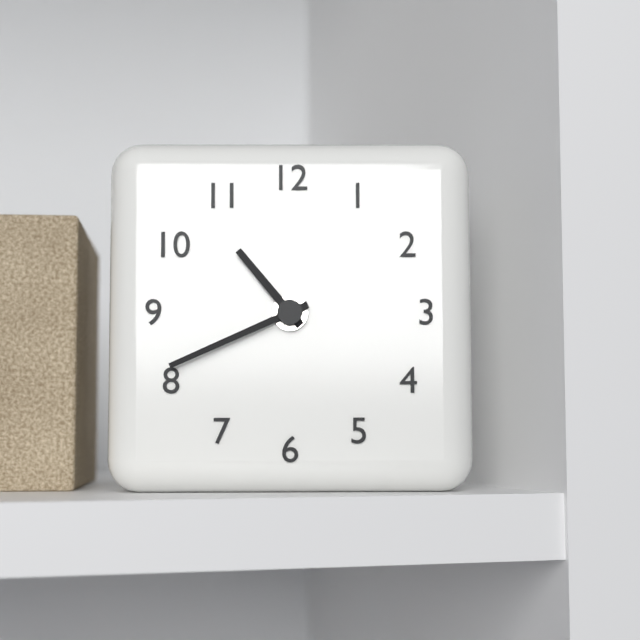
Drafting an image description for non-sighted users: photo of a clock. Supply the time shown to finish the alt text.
10:41
